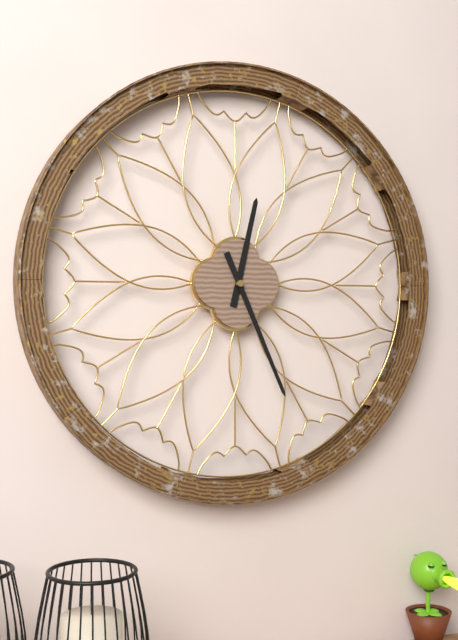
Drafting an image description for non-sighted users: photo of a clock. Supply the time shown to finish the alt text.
12:26
